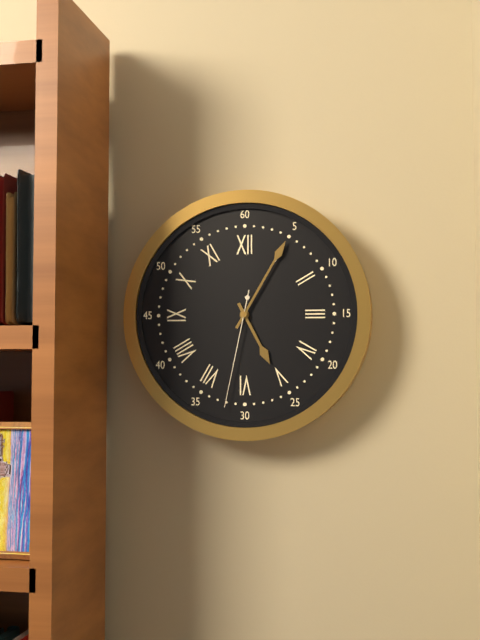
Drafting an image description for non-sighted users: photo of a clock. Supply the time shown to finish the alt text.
5:05:32
